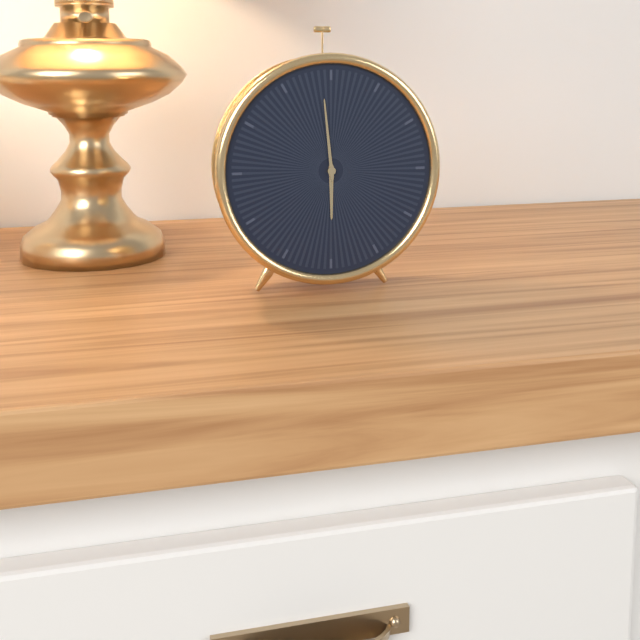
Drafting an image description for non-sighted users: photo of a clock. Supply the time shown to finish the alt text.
5:59
